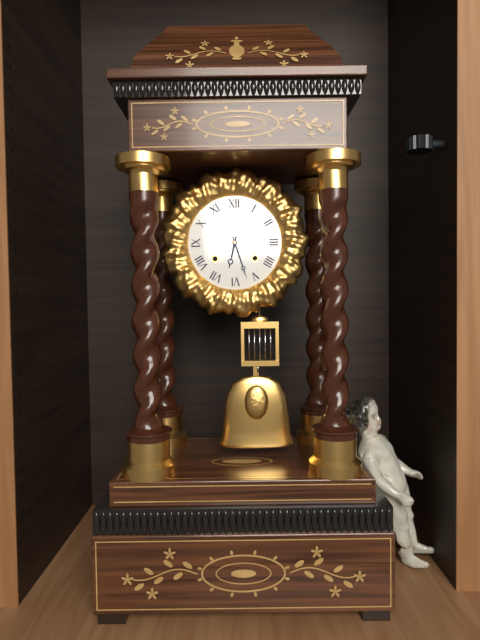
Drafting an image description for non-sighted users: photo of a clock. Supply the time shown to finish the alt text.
6:27
